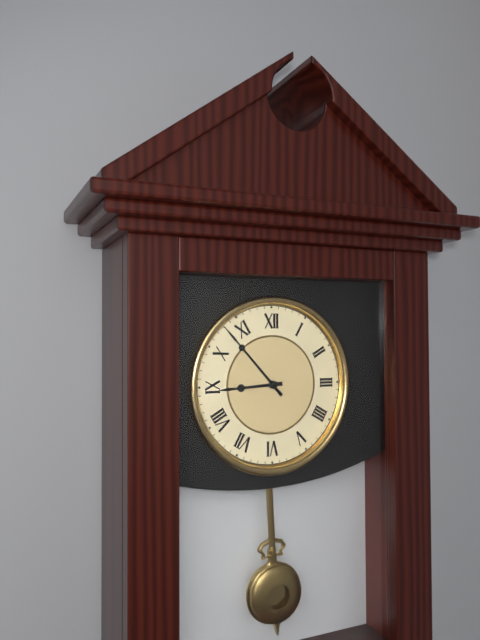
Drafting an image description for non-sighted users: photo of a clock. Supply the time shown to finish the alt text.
8:53
